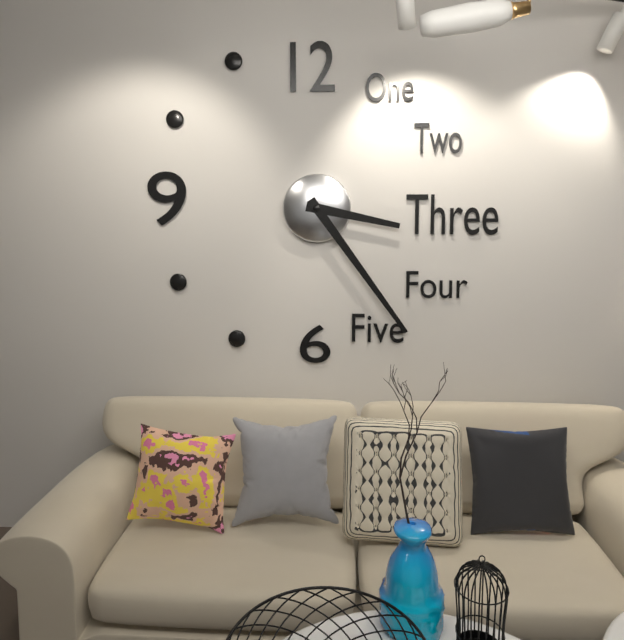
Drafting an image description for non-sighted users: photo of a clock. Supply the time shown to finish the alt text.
3:24
